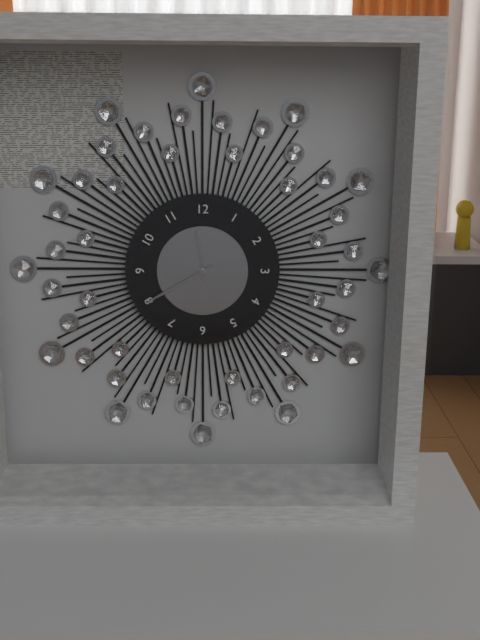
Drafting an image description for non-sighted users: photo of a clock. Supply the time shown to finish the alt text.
11:40
